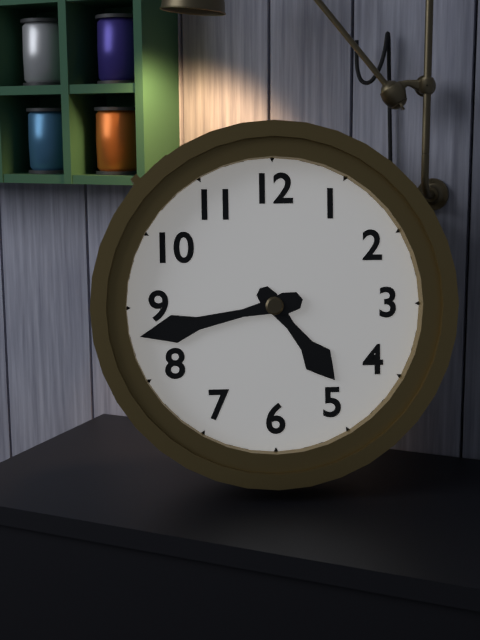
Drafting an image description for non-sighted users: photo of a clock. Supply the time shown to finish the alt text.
4:43
